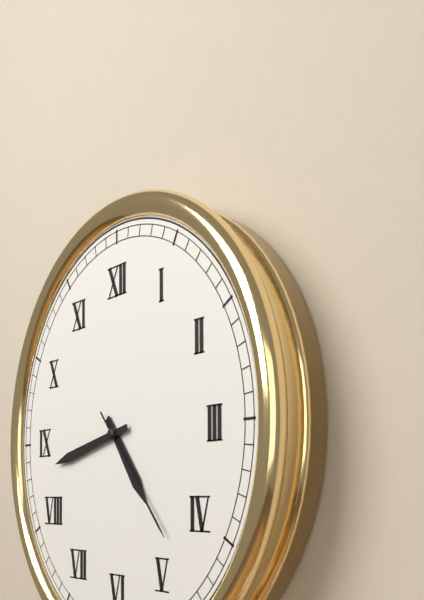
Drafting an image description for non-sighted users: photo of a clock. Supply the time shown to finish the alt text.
4:43:23
